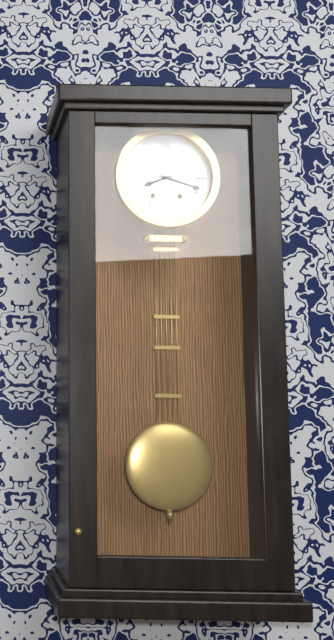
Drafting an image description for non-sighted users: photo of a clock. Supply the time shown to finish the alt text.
8:18
